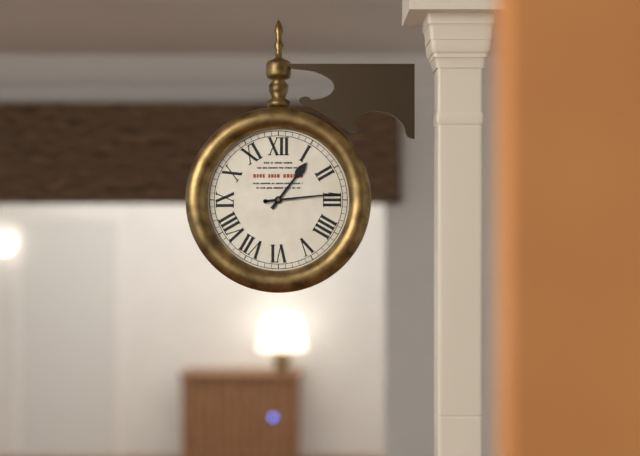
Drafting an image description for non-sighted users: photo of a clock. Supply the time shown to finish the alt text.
1:14
